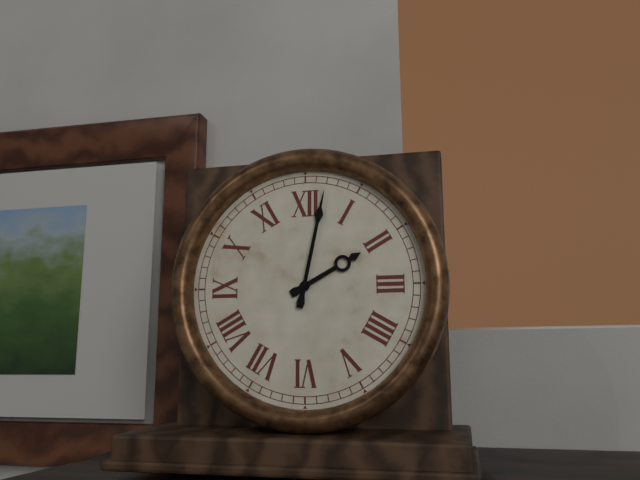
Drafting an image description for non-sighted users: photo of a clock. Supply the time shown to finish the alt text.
2:02
